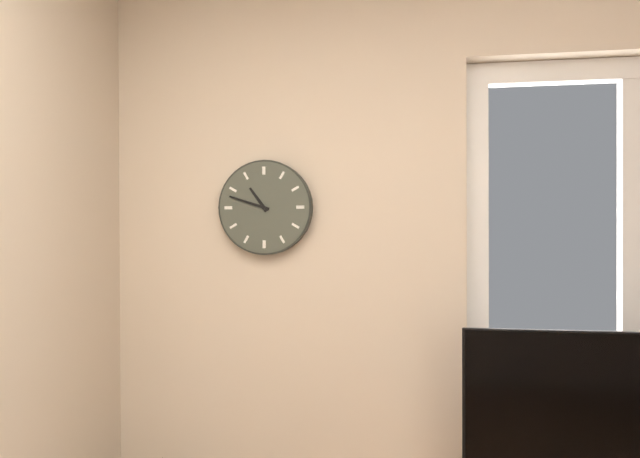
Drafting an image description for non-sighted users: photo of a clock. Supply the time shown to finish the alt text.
10:48
